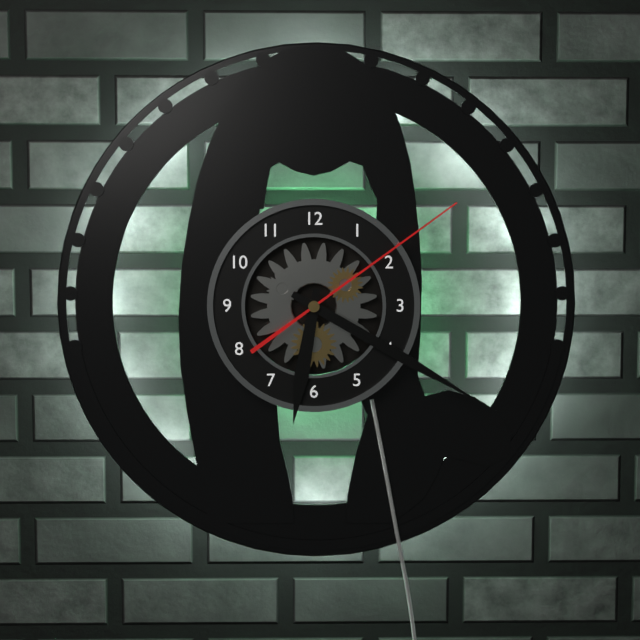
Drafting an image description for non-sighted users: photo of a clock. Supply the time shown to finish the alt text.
6:20:09
